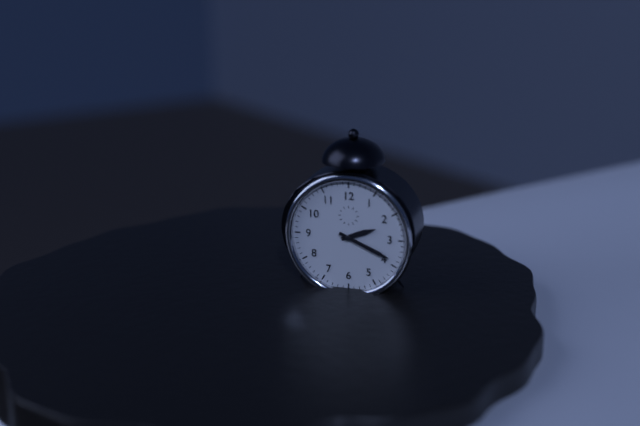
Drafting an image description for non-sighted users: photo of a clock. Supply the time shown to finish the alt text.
2:19
